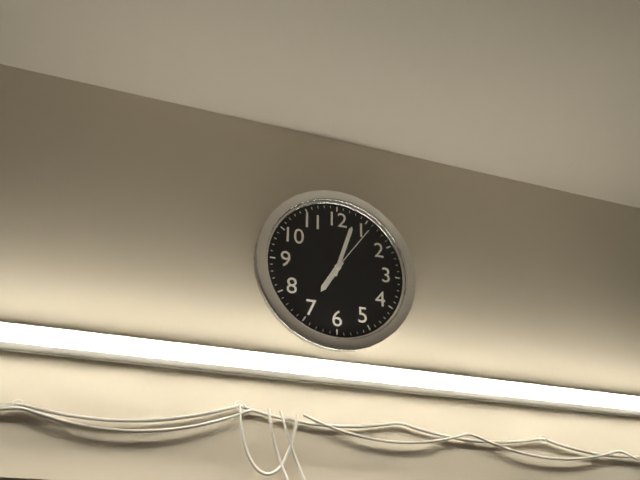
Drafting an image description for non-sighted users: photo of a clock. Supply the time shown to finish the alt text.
7:03:06
